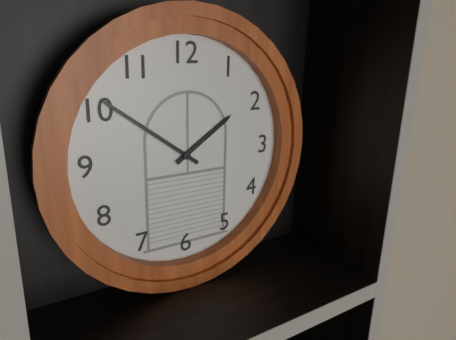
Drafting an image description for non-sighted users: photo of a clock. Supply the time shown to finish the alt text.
1:51
